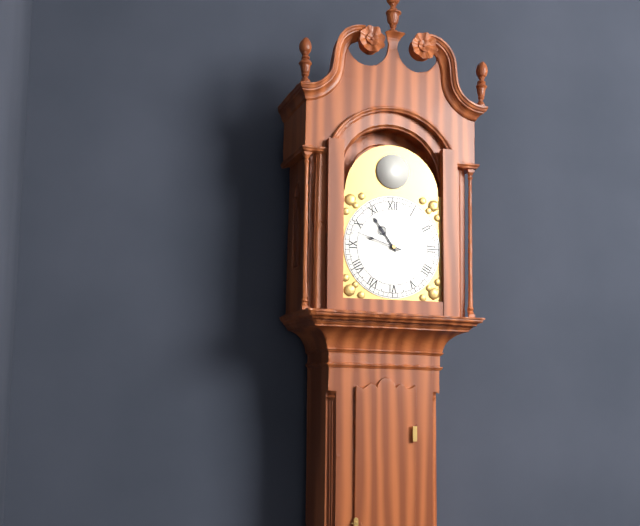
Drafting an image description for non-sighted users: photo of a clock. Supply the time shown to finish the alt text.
10:48
